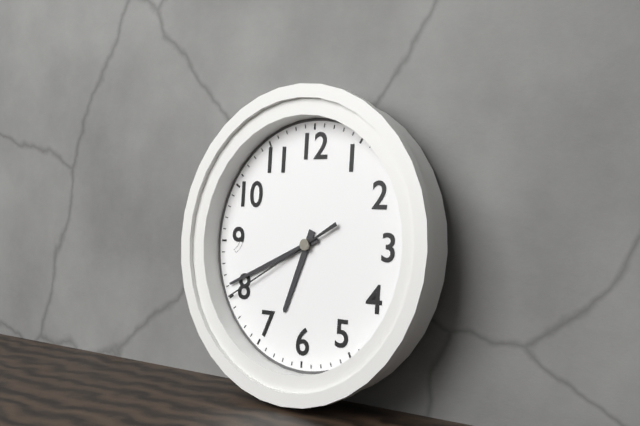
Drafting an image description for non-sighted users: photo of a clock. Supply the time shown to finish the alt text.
6:41:40
